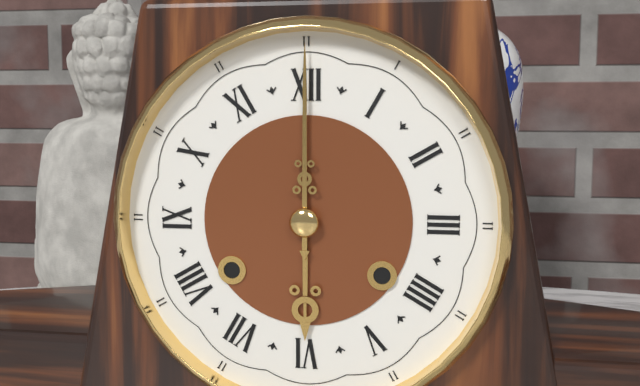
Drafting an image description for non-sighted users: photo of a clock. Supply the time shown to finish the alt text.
6:00
